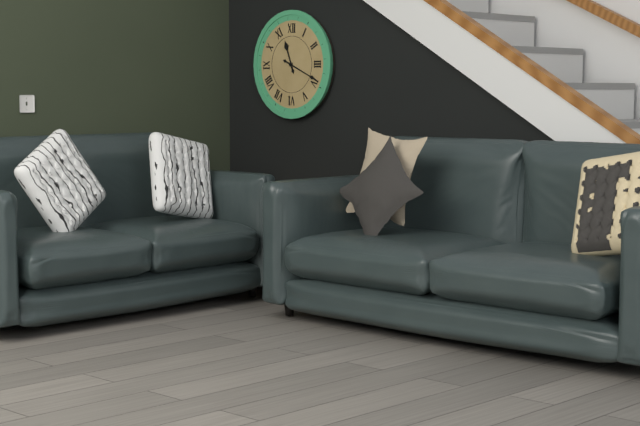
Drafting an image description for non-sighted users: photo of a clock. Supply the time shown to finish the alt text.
11:19
